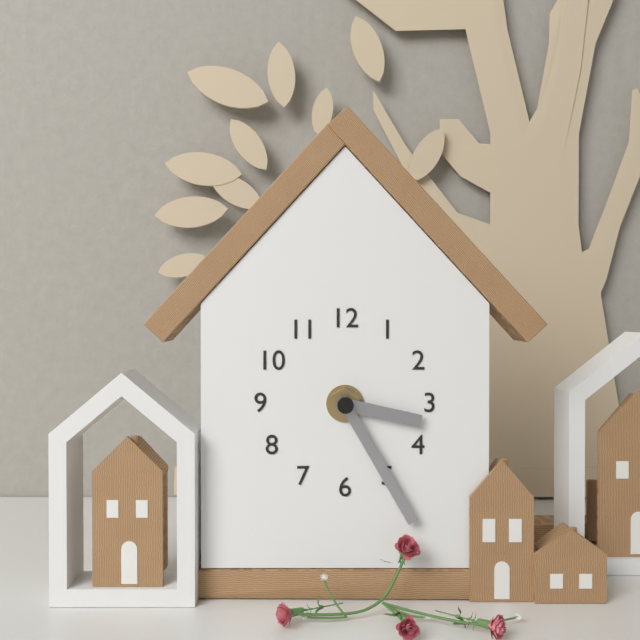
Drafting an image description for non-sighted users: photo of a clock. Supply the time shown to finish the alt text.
3:25
